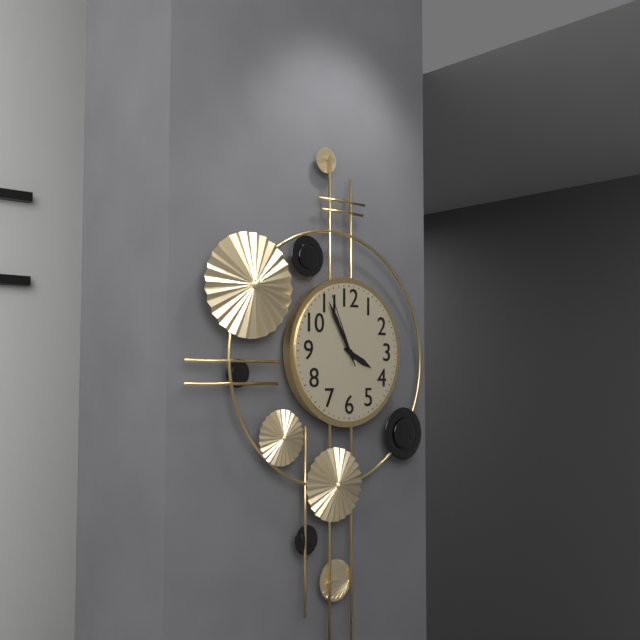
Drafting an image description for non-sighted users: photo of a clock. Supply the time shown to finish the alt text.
3:55:56
